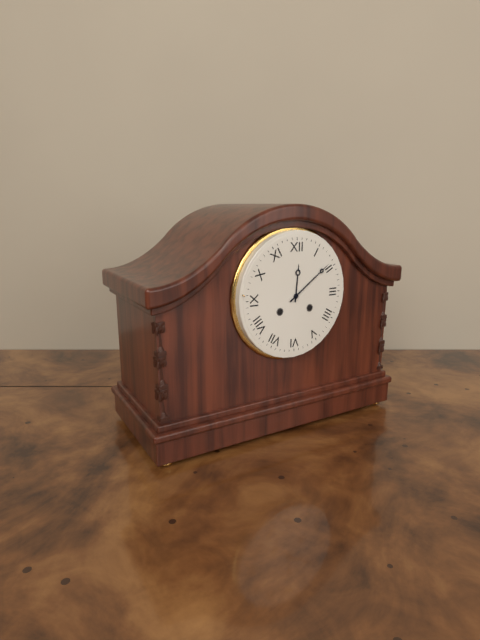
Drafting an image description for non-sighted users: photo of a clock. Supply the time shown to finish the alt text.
12:09
